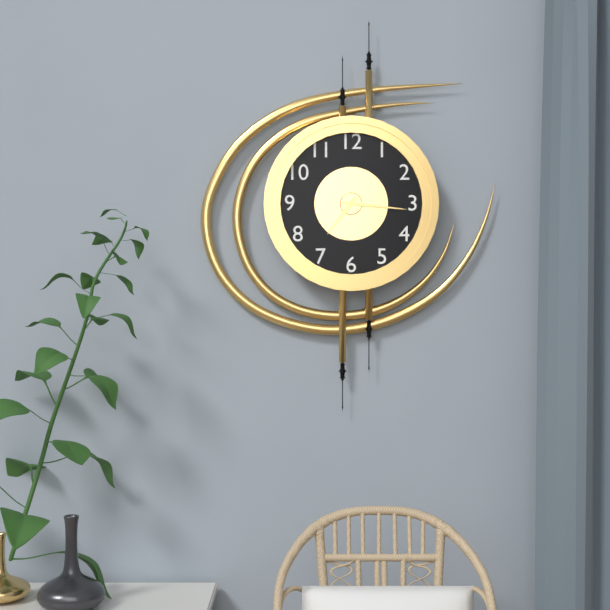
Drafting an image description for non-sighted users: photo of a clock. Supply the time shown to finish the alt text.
7:16
